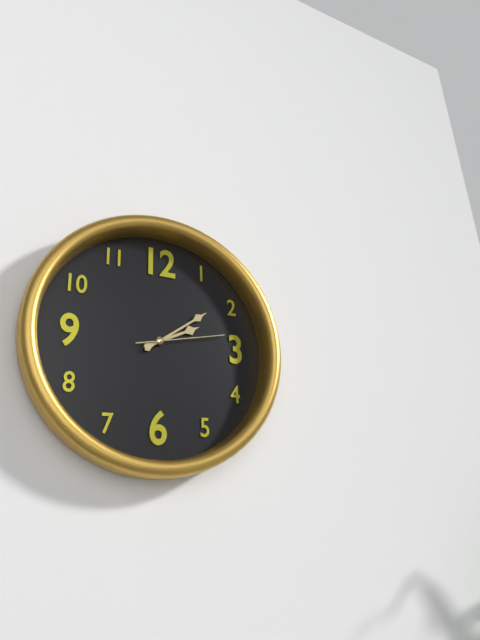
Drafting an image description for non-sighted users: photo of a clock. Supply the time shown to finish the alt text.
2:09:13
